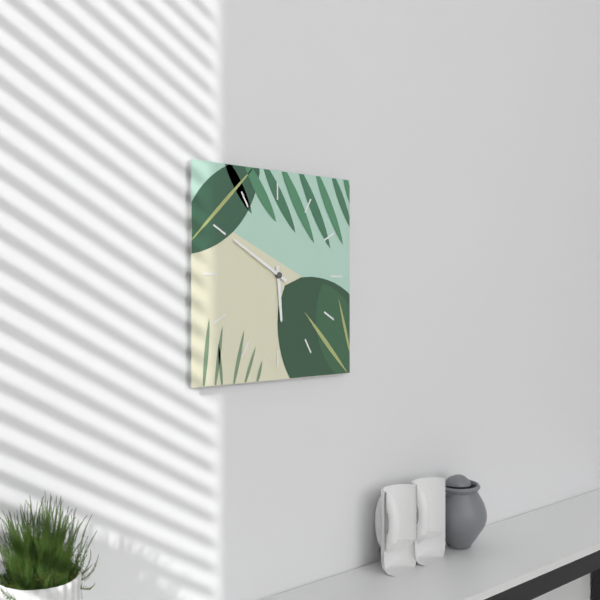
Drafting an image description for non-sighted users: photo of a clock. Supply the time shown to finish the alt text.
5:50
